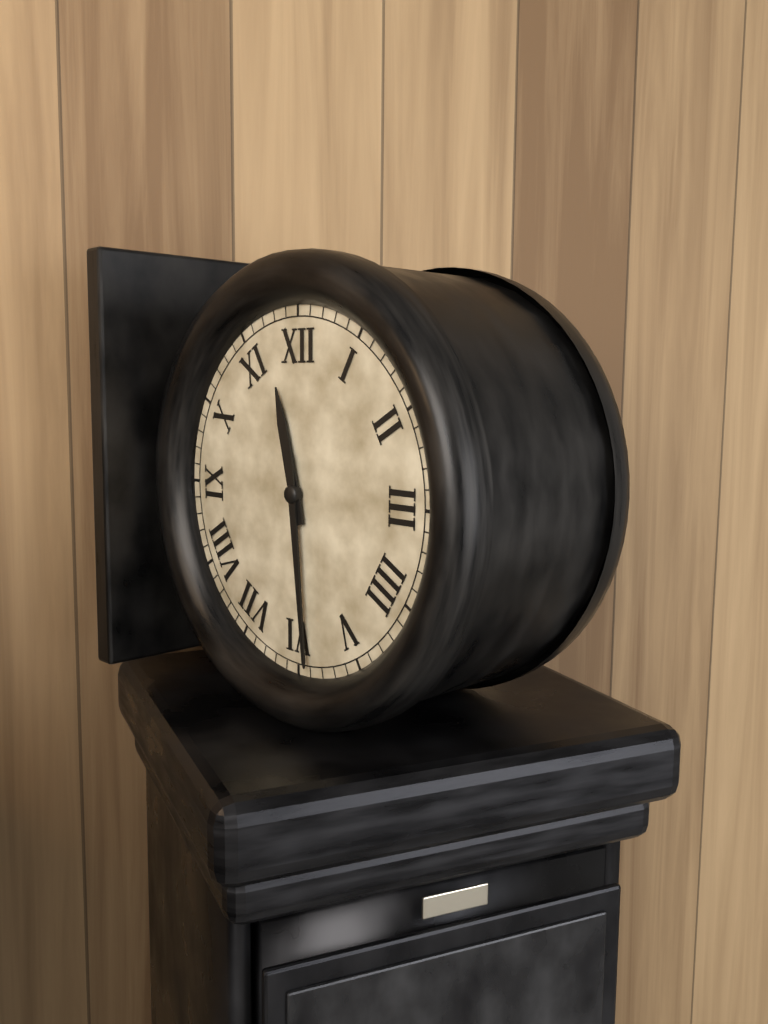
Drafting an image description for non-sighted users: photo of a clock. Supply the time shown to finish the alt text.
11:29
